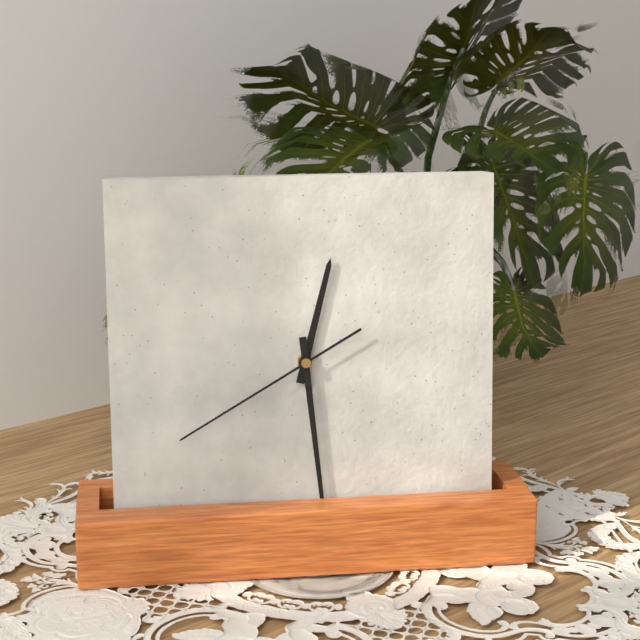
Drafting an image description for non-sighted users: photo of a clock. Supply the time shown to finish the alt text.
12:29:40
